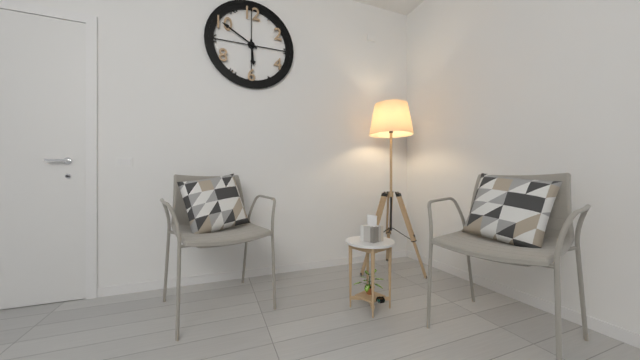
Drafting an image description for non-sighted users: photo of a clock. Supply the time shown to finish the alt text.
5:50
